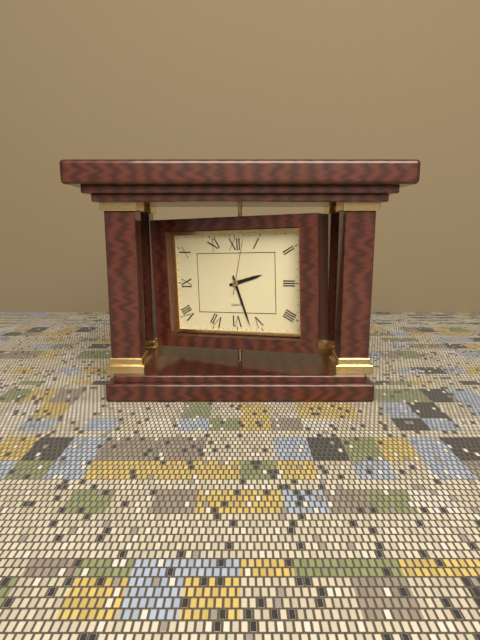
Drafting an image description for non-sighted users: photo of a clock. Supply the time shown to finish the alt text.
2:27:02
